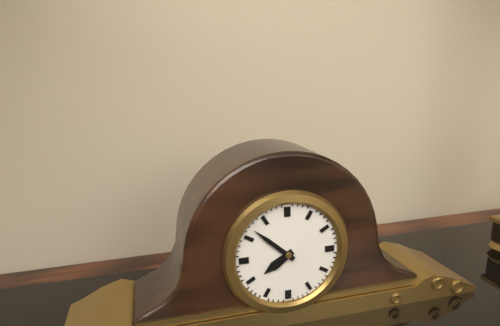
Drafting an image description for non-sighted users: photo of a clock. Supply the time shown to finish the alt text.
7:52
